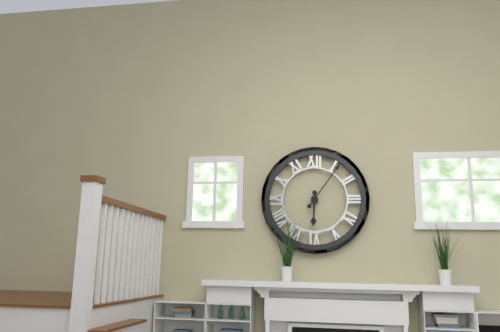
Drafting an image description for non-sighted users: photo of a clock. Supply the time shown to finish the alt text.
6:06
